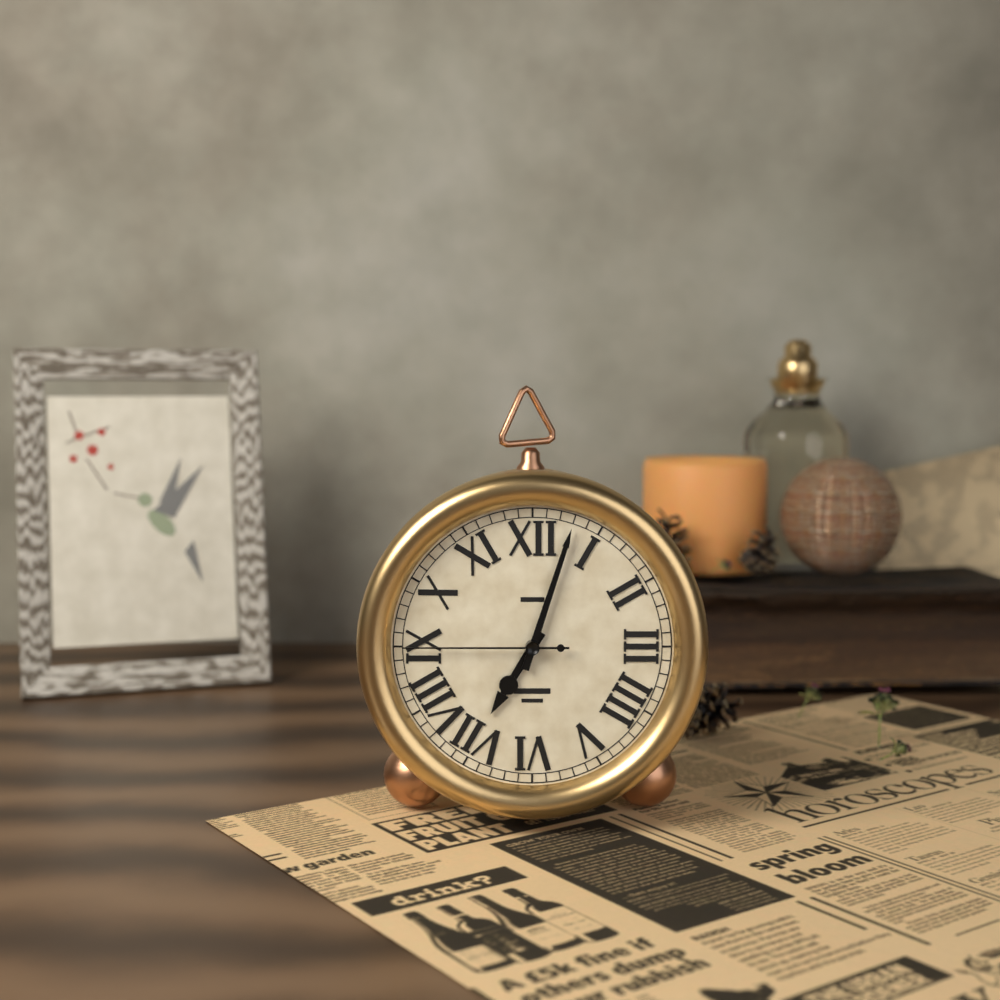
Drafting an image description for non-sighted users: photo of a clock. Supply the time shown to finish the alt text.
7:03:45
